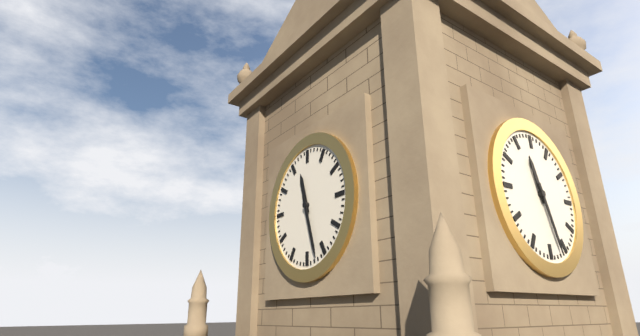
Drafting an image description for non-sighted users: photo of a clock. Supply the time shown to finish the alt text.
11:27
